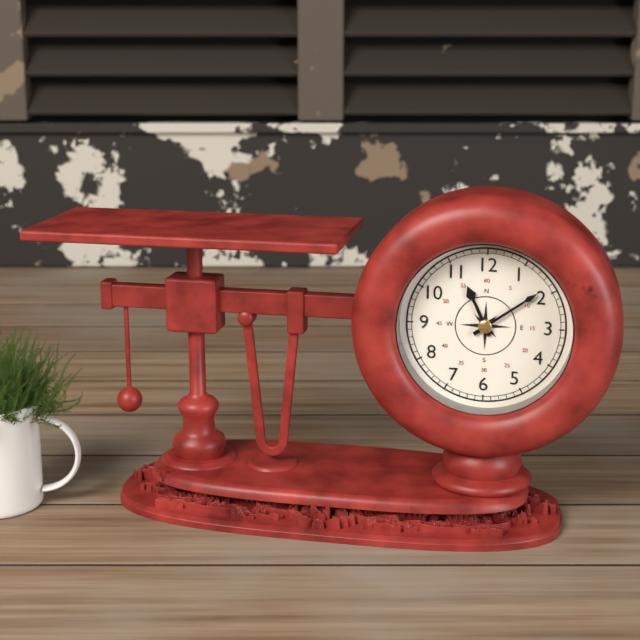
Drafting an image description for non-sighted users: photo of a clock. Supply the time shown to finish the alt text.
11:09
